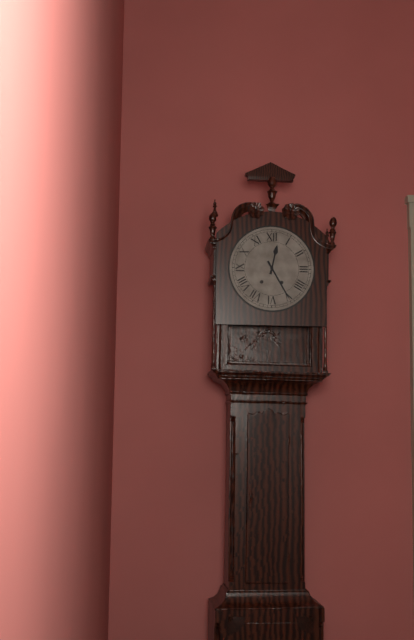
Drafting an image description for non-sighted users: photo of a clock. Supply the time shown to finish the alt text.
12:25
